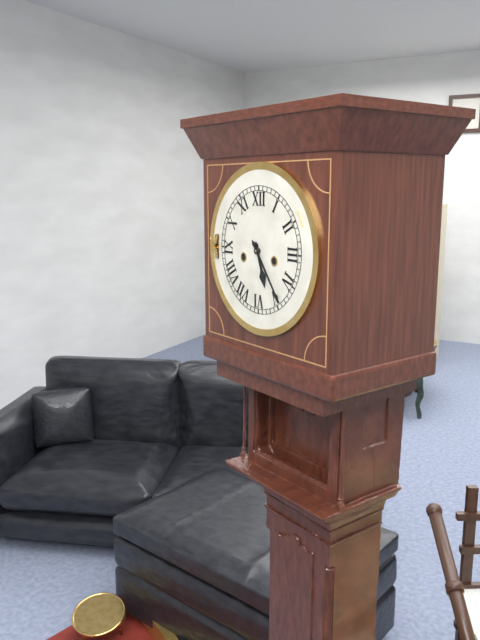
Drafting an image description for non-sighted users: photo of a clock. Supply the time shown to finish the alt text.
5:24
